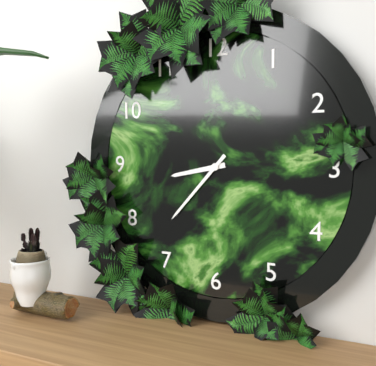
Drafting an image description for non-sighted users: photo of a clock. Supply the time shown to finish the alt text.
8:37
